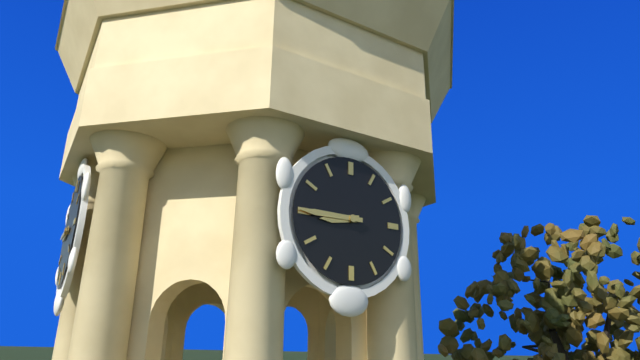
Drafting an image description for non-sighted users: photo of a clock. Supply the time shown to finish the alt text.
8:45
